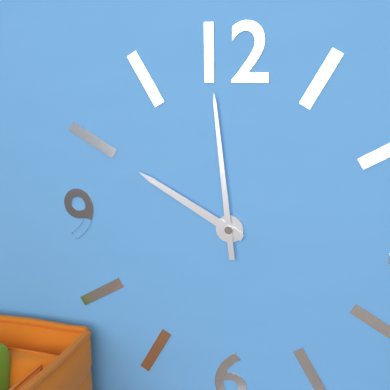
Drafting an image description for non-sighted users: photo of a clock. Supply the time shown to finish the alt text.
9:59
